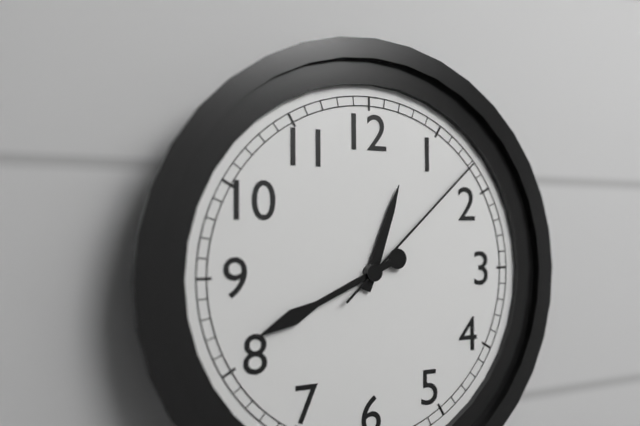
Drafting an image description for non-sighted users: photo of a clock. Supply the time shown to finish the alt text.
12:41:08
